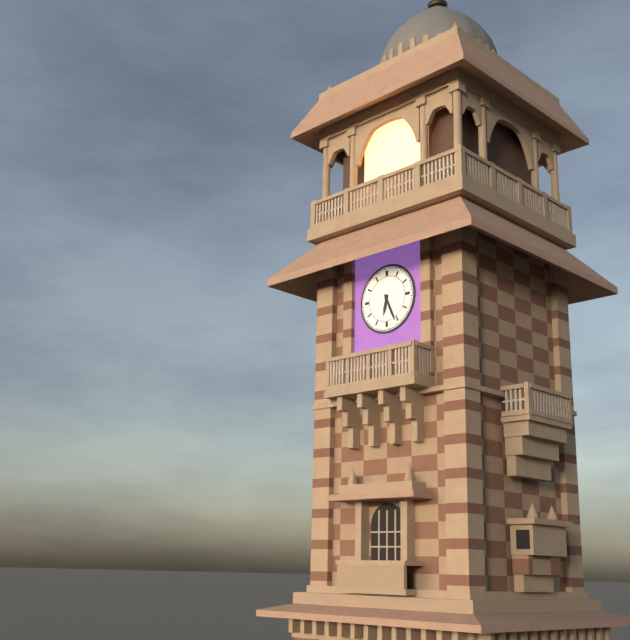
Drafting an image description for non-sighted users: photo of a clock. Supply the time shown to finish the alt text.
6:26
